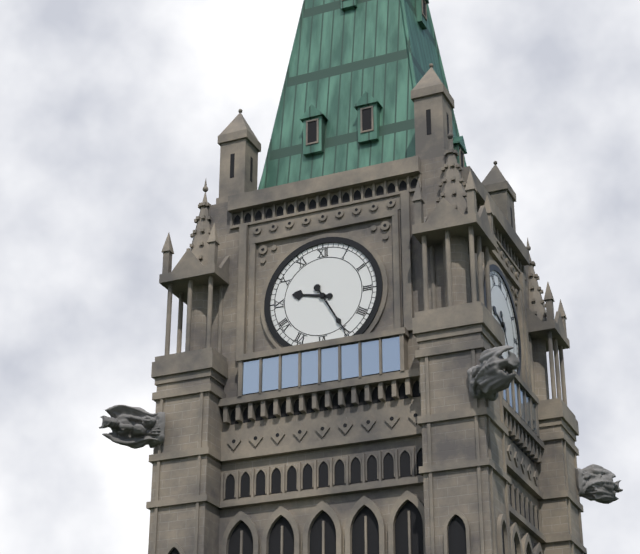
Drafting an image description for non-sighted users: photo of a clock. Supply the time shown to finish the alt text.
9:25
